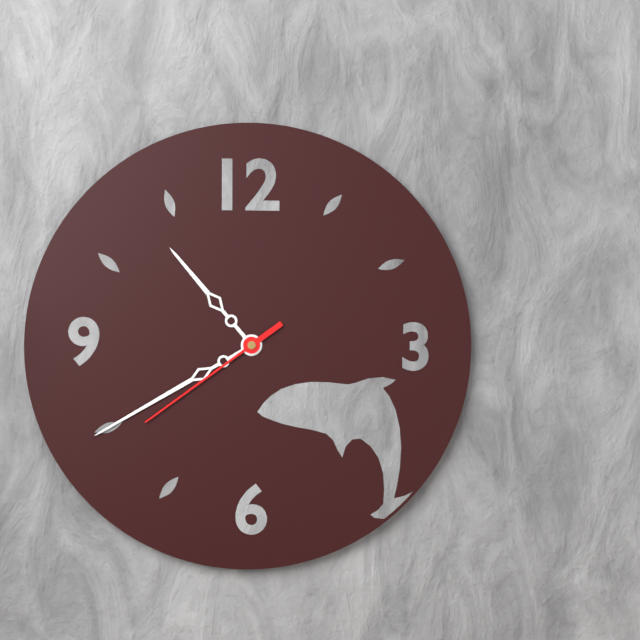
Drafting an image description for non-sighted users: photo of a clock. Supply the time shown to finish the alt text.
10:40:39
